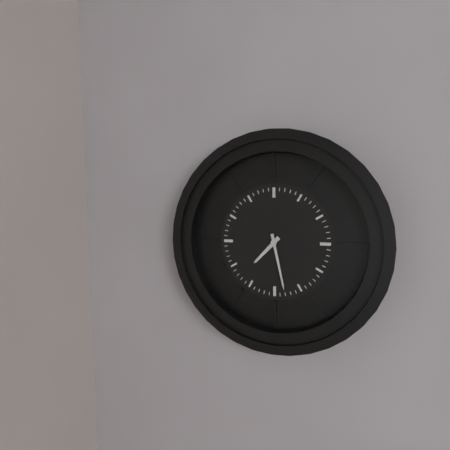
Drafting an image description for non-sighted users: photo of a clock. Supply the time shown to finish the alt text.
7:28
